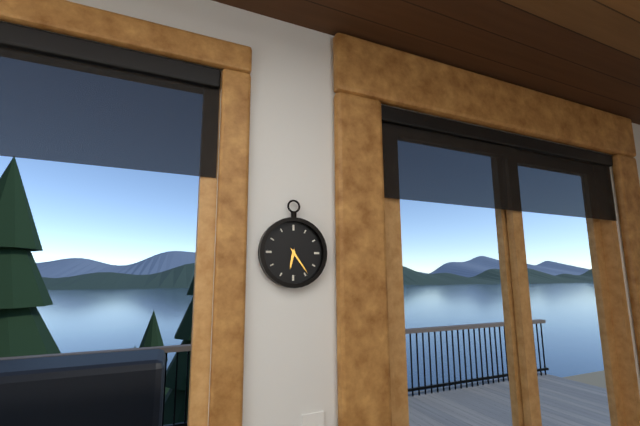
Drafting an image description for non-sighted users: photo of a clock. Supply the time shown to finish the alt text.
6:24
